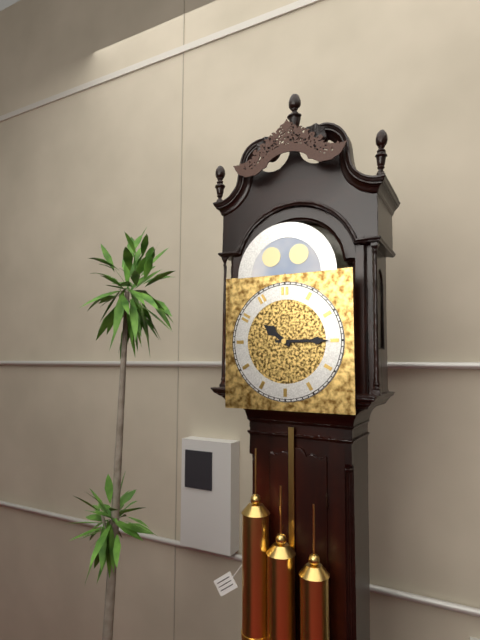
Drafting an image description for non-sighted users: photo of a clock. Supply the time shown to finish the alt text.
10:15
